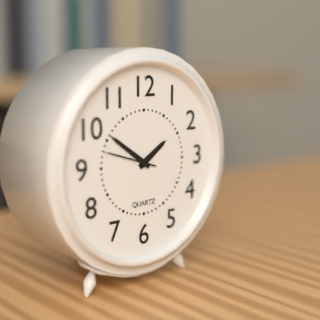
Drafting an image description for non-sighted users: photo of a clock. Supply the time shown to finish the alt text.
1:51:48
